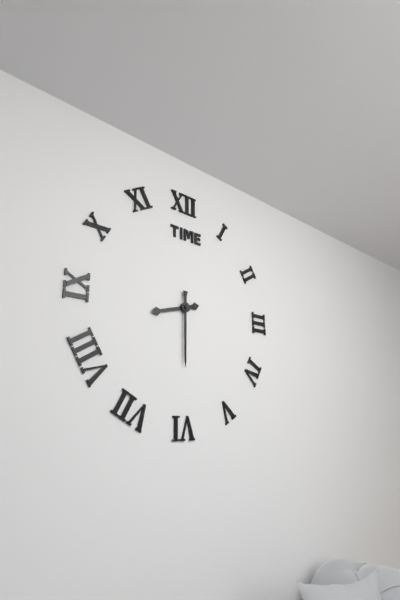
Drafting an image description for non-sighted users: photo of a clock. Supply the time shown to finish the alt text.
8:30
